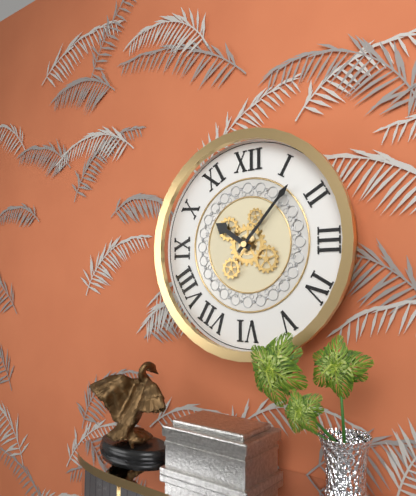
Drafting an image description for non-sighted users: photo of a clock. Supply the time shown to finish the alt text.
10:07
